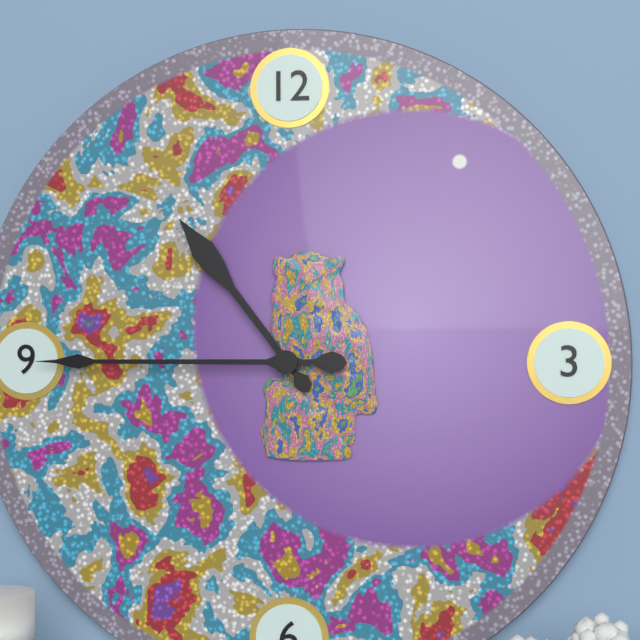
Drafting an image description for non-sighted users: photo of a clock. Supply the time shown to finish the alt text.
10:45
